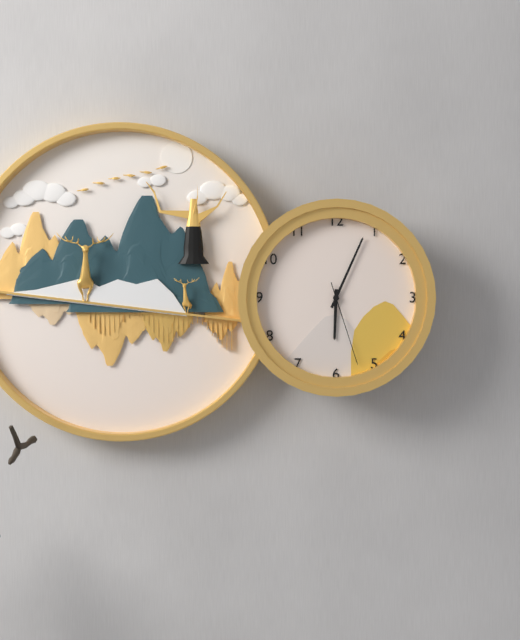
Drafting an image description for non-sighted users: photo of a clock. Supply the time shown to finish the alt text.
6:04:27
